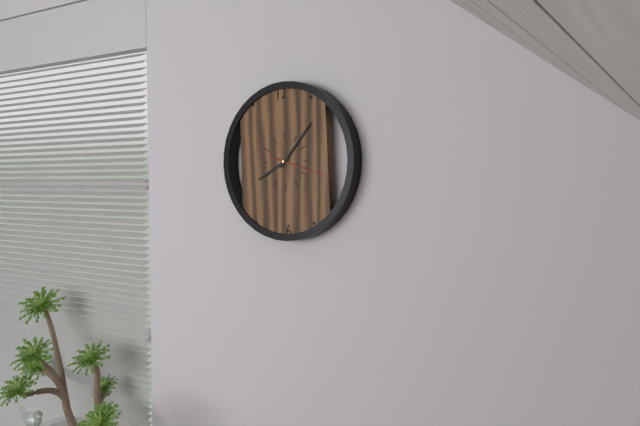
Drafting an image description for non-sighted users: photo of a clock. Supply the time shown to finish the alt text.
8:07:18
